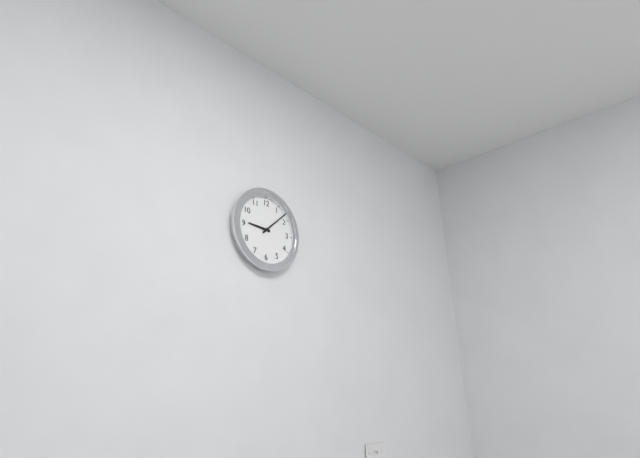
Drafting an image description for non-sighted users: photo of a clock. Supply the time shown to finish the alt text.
9:08
